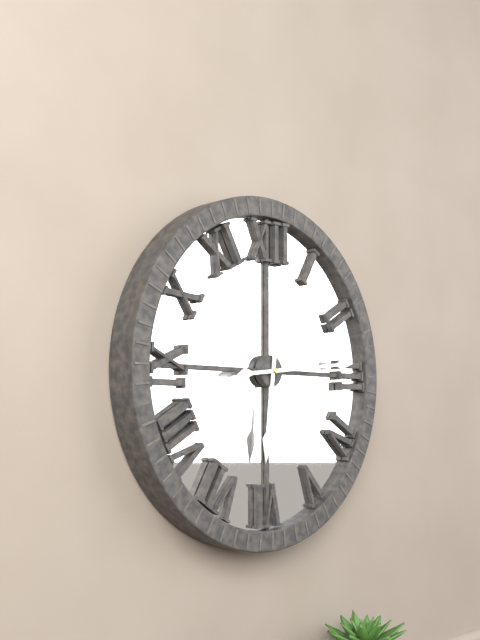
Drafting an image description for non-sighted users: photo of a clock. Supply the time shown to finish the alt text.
6:14
